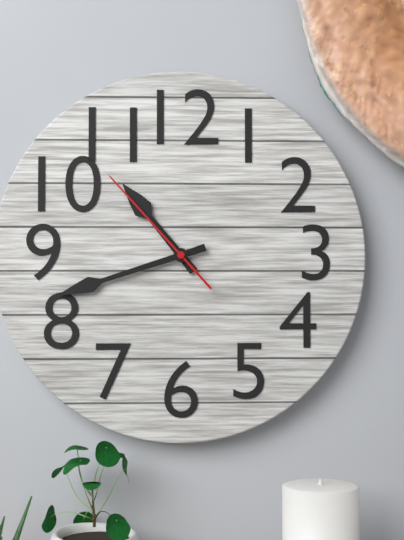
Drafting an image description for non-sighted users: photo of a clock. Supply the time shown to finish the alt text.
10:42:53
